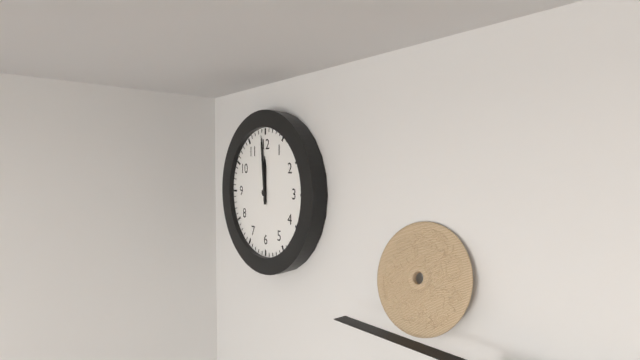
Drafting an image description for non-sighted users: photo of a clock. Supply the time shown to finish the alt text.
11:59
